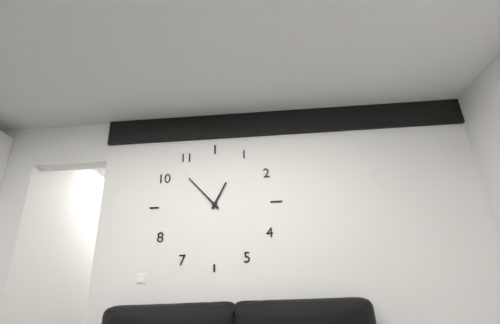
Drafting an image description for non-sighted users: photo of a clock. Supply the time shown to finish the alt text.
12:53
